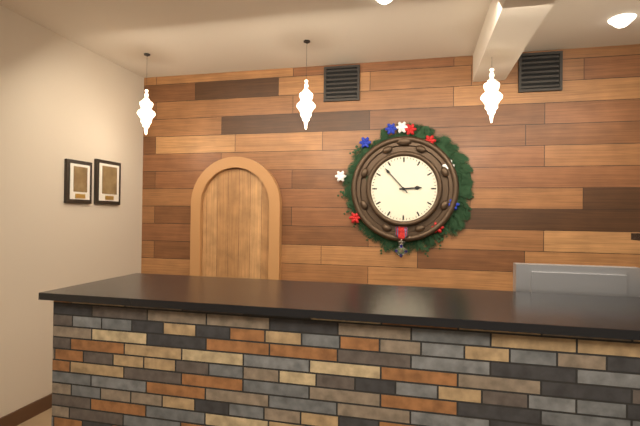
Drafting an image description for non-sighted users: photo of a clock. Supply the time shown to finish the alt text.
2:53
